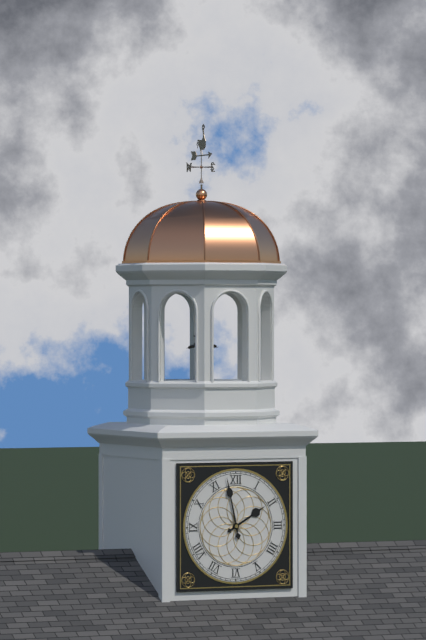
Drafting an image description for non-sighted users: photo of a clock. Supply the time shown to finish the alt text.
1:58
